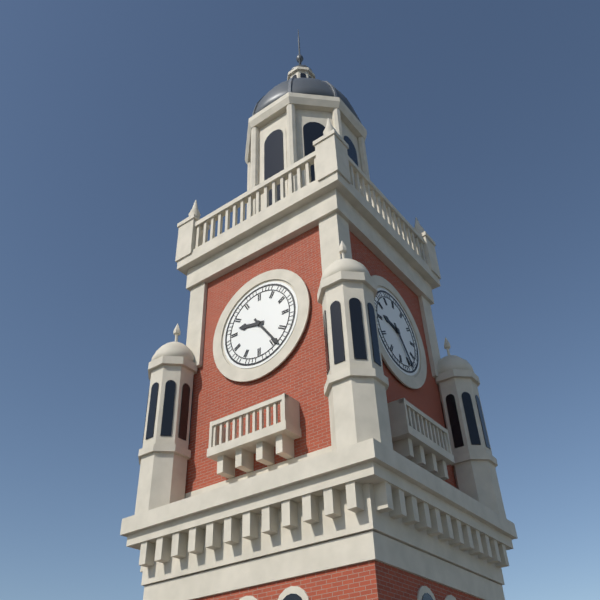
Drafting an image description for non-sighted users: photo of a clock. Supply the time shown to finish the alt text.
9:24
